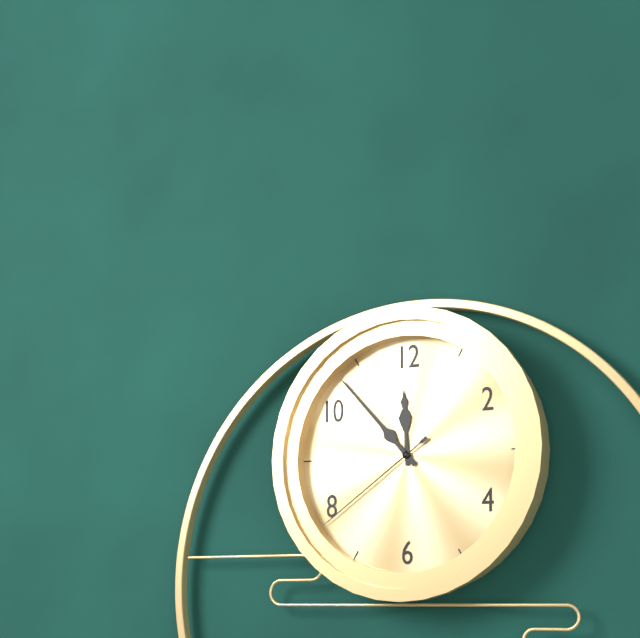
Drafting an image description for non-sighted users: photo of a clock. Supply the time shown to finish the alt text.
11:53:39
